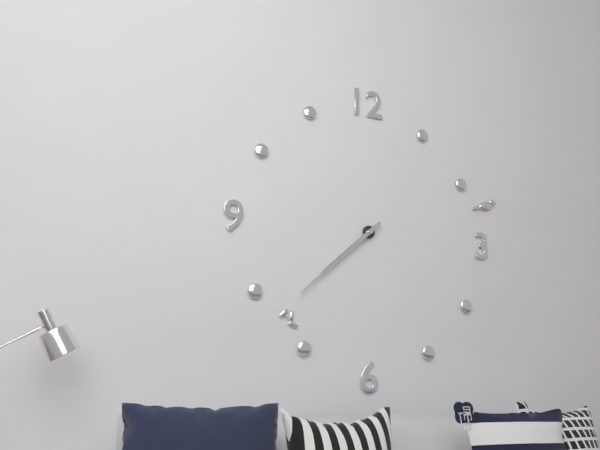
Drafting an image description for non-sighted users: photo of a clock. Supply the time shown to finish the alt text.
7:38
